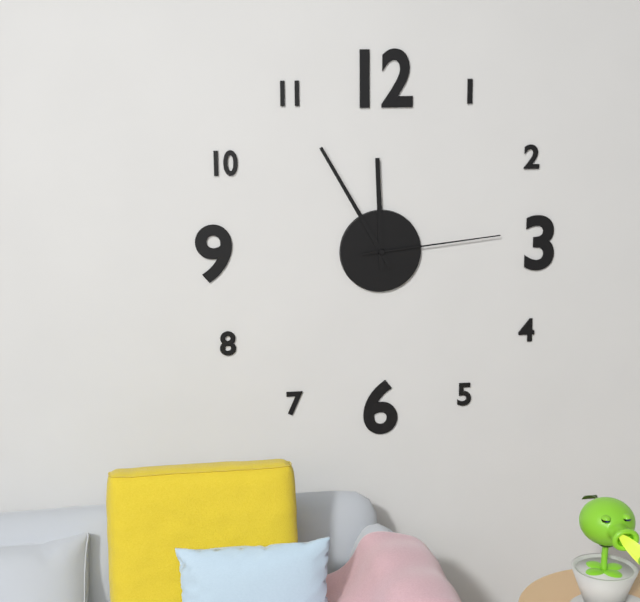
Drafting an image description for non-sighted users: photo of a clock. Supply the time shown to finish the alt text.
11:55:14
